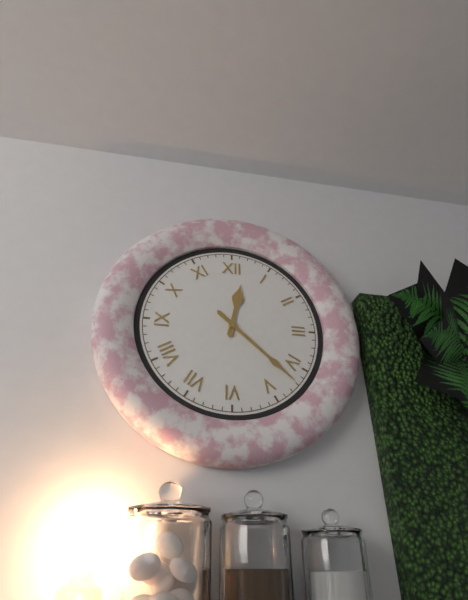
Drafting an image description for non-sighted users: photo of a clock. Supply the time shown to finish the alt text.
12:22
